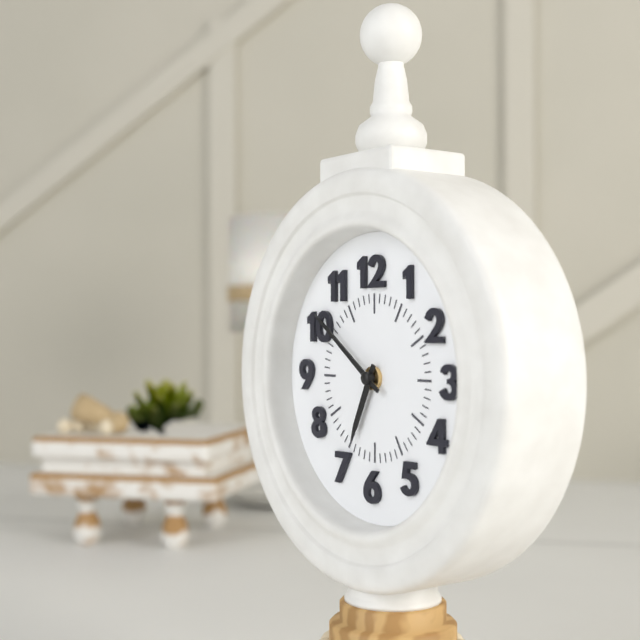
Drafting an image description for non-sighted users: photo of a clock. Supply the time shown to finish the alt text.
6:51
